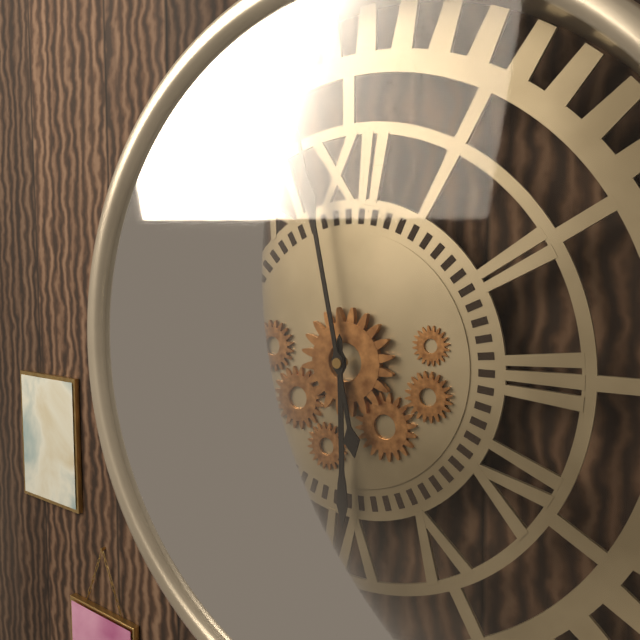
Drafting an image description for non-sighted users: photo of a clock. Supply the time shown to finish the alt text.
5:58
